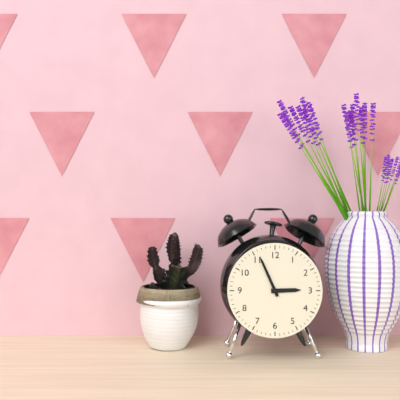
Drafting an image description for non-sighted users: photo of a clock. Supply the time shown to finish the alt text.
2:56
